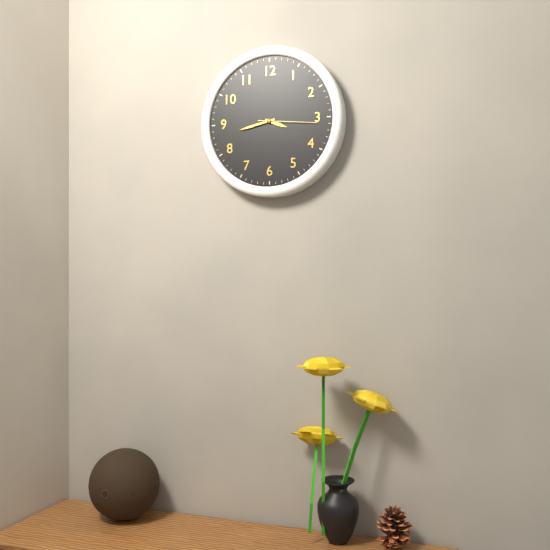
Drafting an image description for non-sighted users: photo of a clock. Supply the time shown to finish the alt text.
3:43:16
